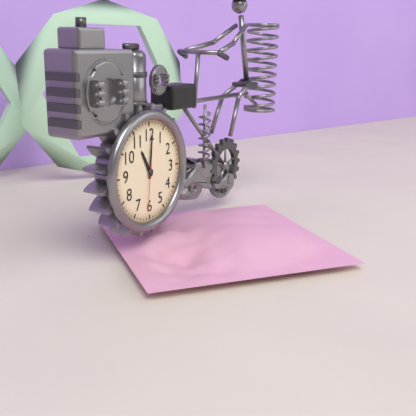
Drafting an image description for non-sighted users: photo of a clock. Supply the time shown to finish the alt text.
11:01:31
